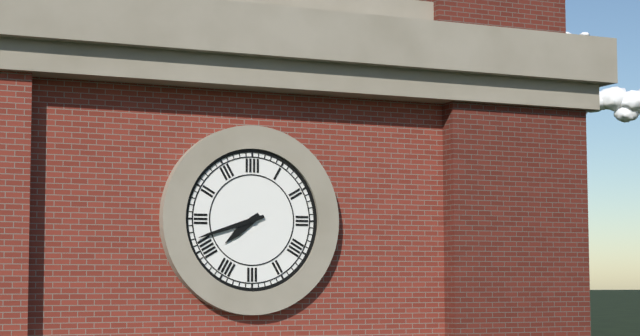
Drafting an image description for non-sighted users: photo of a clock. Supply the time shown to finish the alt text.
7:42
